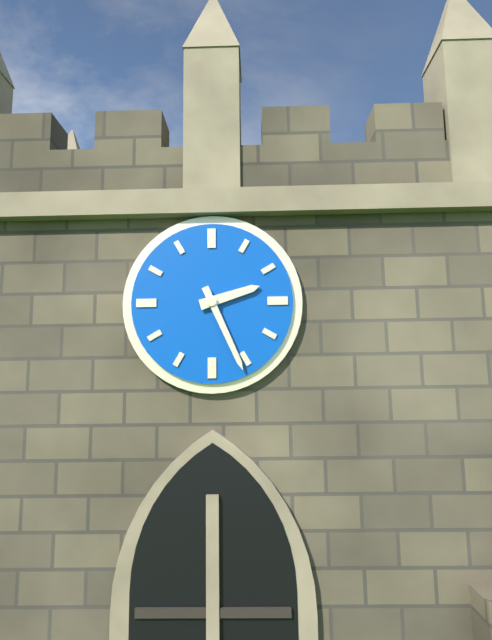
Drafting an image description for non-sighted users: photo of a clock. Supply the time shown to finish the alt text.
2:26
